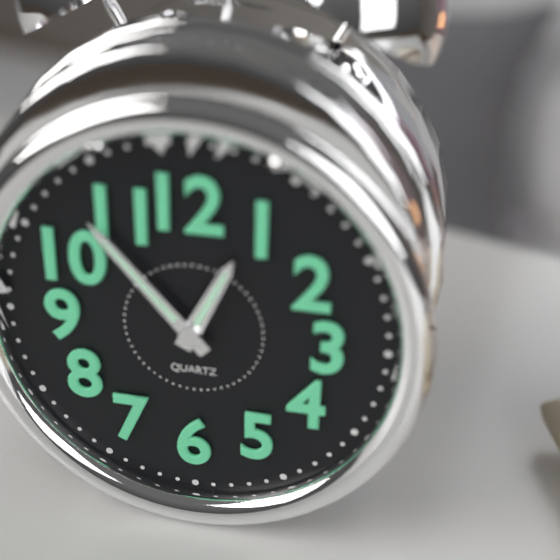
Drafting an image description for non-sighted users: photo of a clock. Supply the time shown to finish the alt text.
12:53
